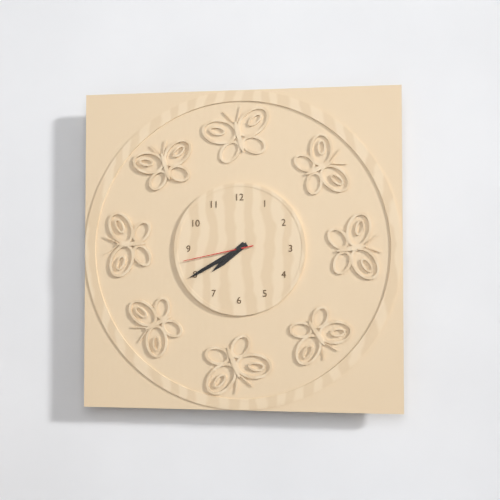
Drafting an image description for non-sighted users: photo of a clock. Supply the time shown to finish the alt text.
7:40:43
